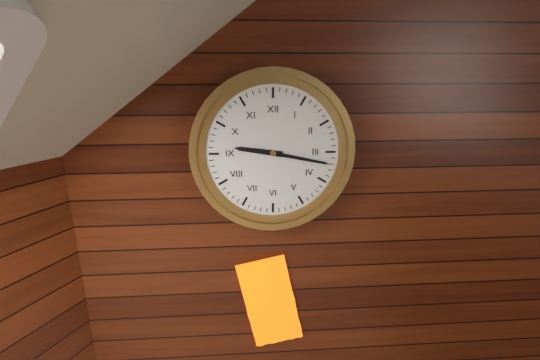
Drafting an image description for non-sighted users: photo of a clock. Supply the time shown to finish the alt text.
9:17
